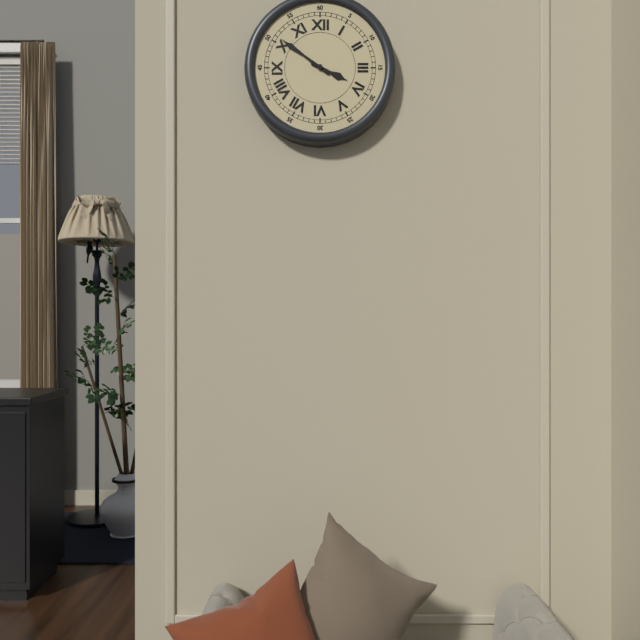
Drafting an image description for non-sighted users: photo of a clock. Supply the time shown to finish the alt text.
3:51
